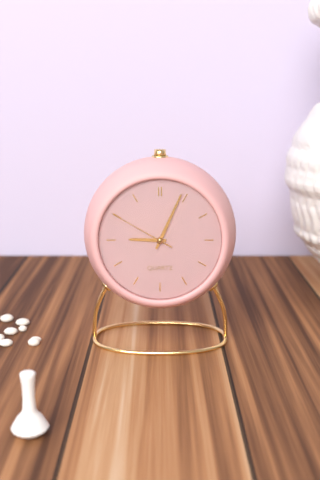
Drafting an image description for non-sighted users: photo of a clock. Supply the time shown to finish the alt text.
9:04:50
